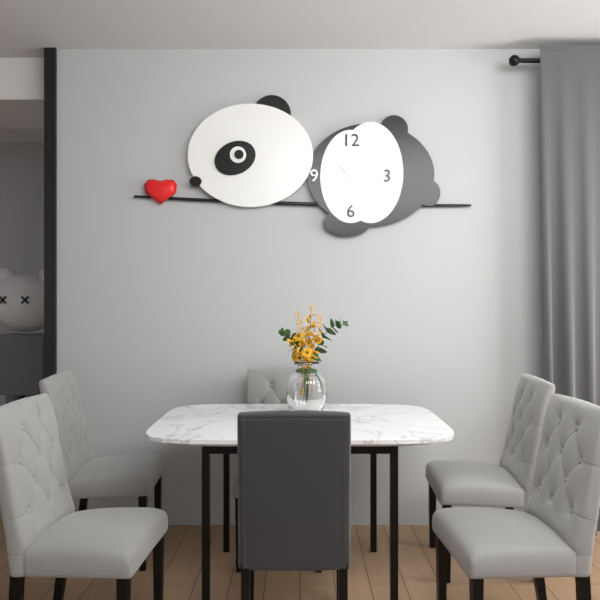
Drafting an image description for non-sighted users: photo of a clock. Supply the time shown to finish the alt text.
10:37
